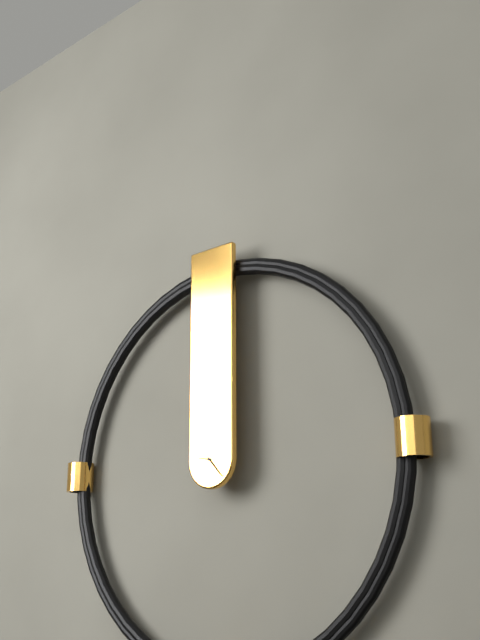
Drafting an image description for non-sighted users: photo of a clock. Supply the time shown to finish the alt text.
9:23
